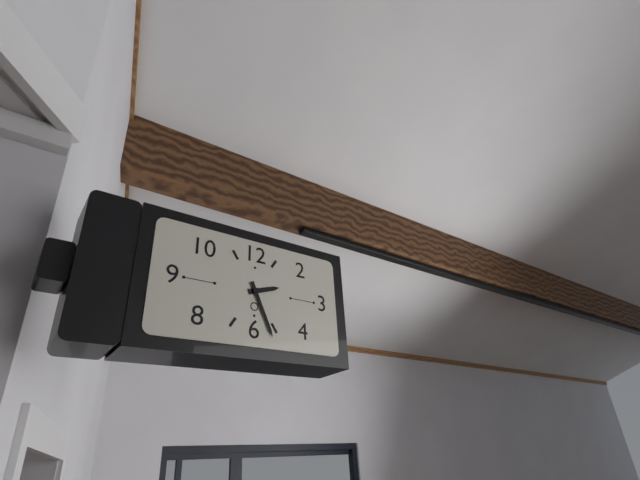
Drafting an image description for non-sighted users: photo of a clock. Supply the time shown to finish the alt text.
2:26
